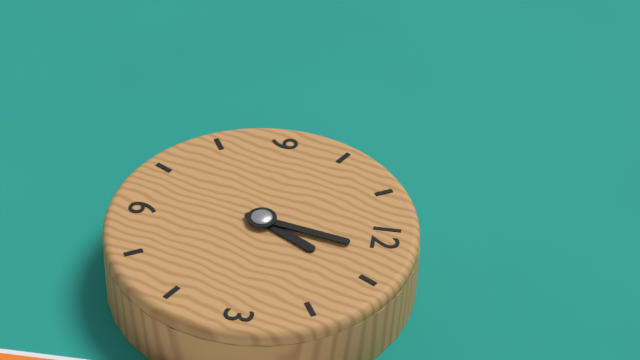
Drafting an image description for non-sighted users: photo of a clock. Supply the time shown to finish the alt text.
1:02
